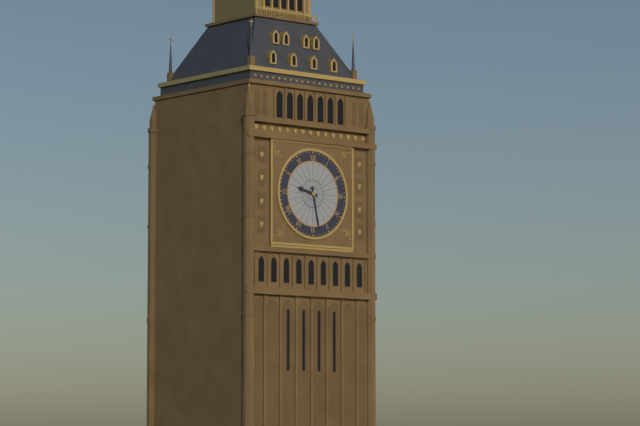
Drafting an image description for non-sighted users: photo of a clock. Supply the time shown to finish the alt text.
9:28
